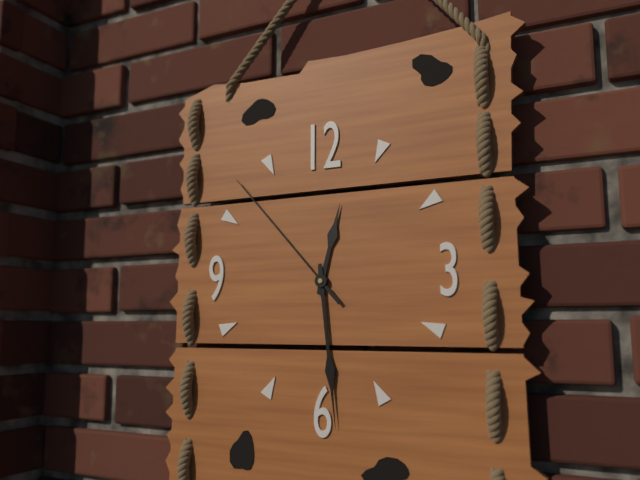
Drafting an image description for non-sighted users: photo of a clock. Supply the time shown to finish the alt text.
12:29:53
